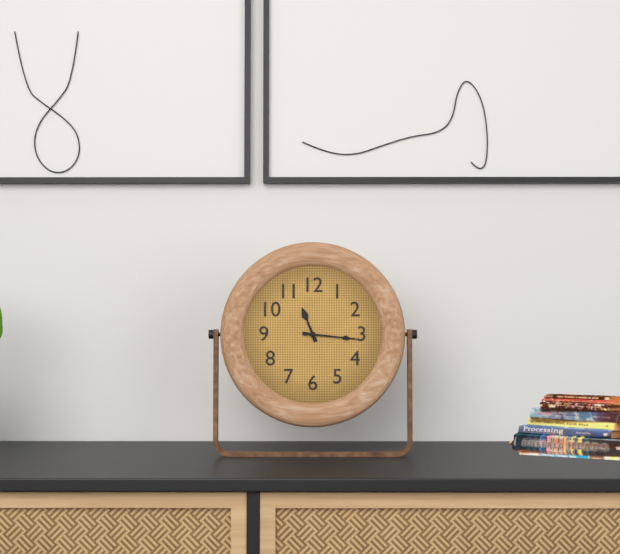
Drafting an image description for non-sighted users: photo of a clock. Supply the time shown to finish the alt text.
11:16
